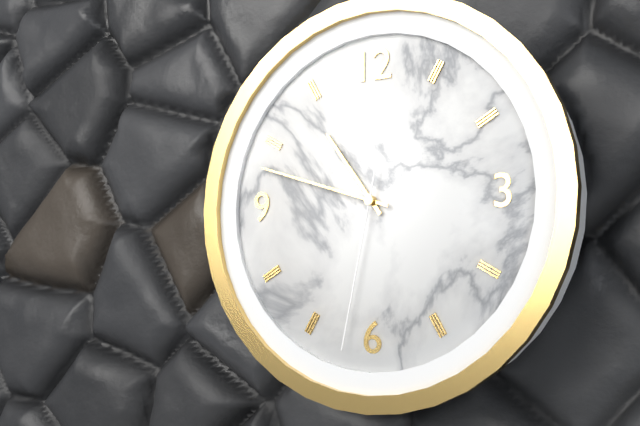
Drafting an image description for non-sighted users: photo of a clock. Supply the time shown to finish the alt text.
10:48:32
